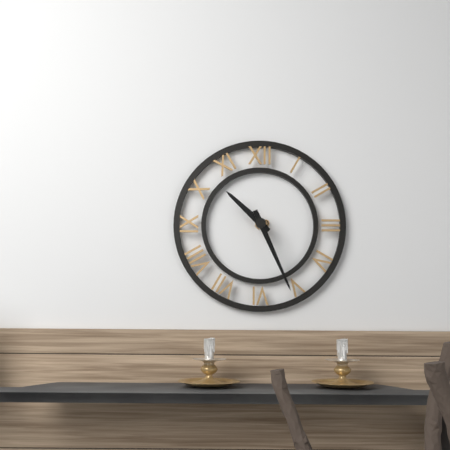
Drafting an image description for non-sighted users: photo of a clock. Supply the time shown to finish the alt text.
10:26
